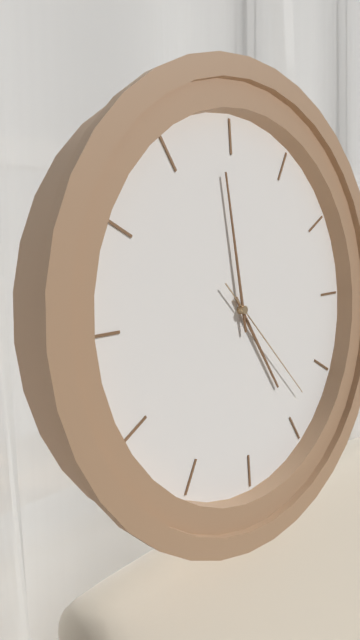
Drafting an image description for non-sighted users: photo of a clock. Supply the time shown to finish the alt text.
4:59:23
